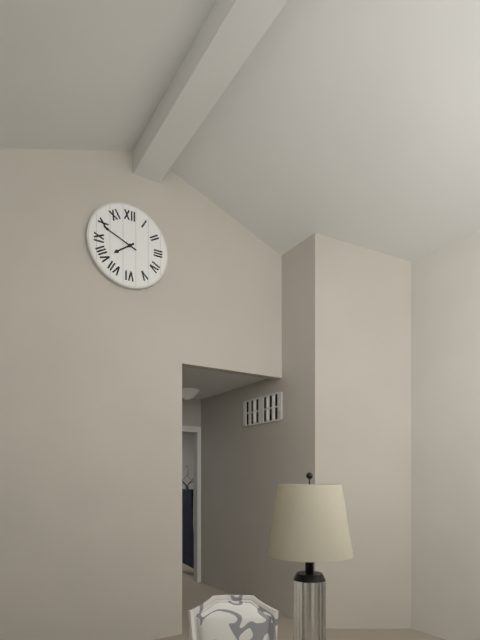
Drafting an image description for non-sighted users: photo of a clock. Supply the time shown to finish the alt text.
7:49
